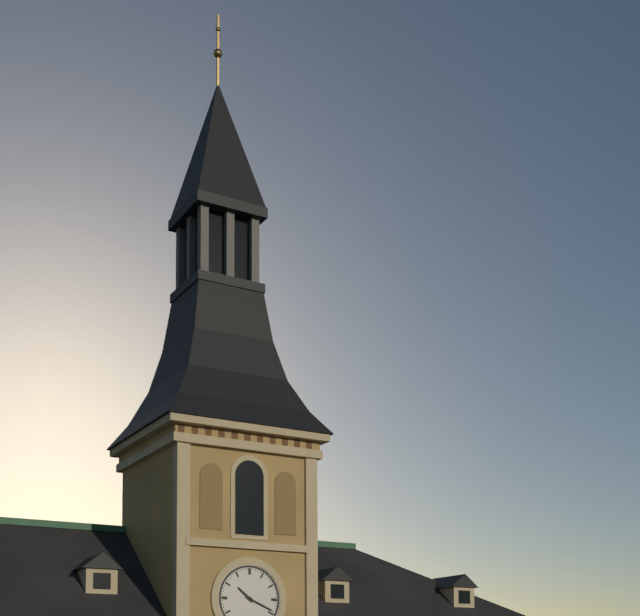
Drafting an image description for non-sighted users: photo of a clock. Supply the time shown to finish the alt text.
10:19
